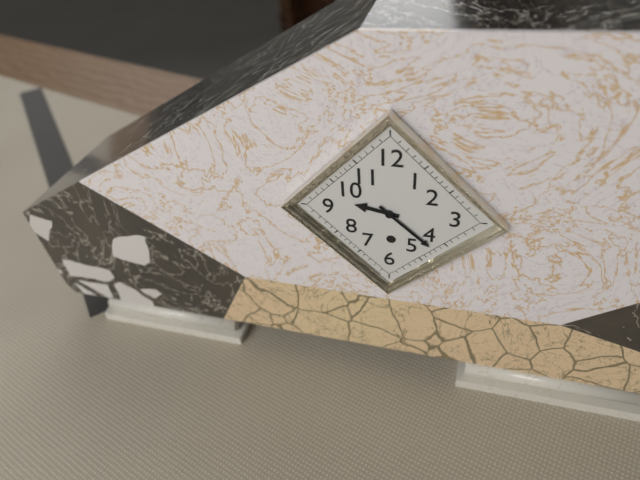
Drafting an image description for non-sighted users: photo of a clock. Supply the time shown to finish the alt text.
9:22
